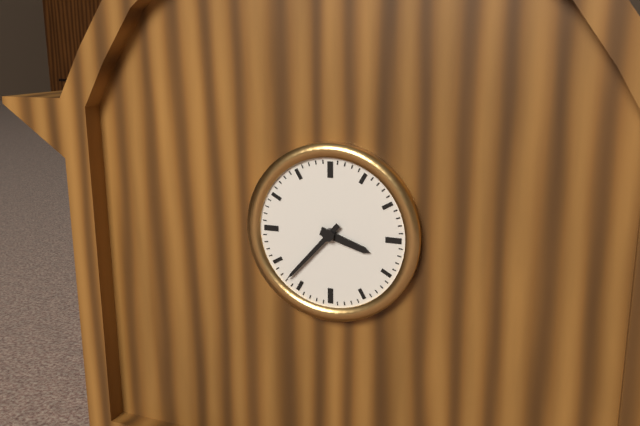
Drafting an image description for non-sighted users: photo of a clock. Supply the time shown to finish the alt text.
3:37
